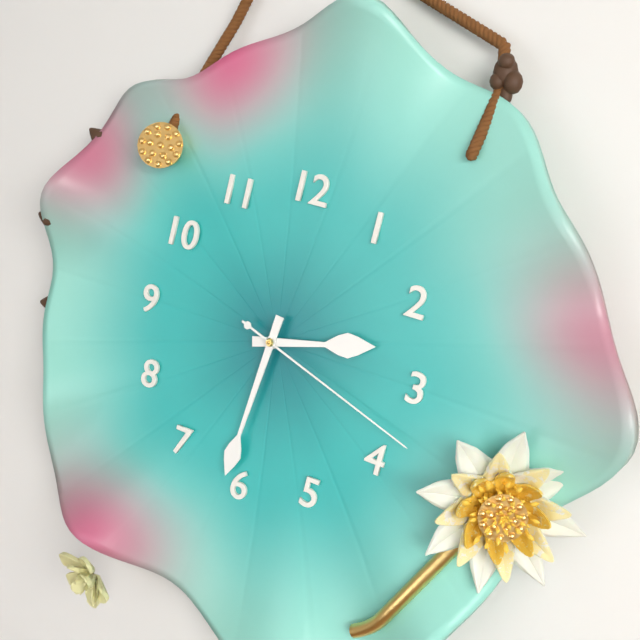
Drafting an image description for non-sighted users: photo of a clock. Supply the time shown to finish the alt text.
2:31:18
